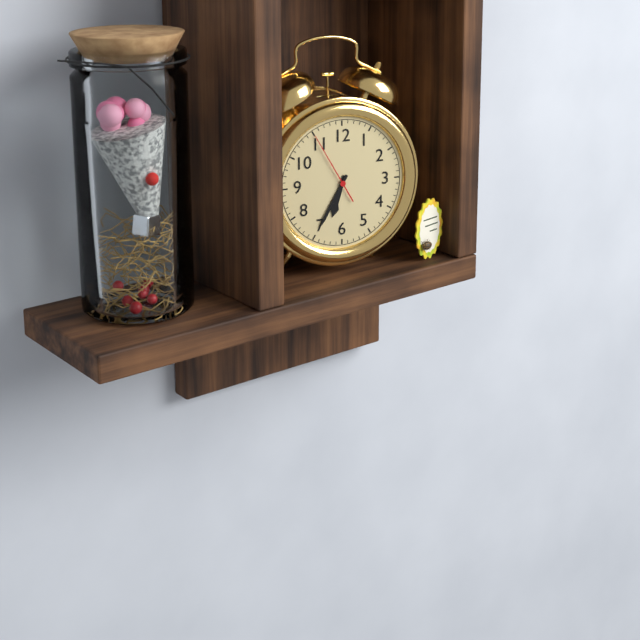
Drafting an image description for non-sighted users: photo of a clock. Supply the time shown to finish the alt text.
6:35:55
